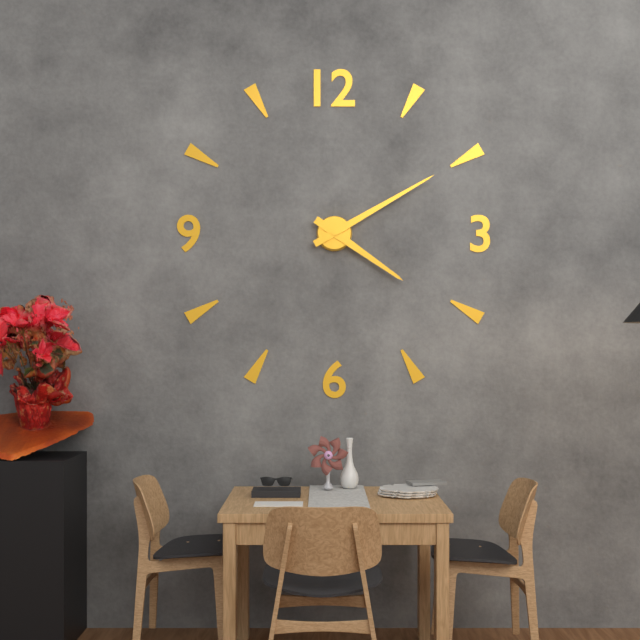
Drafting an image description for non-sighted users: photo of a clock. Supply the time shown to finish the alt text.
4:10
